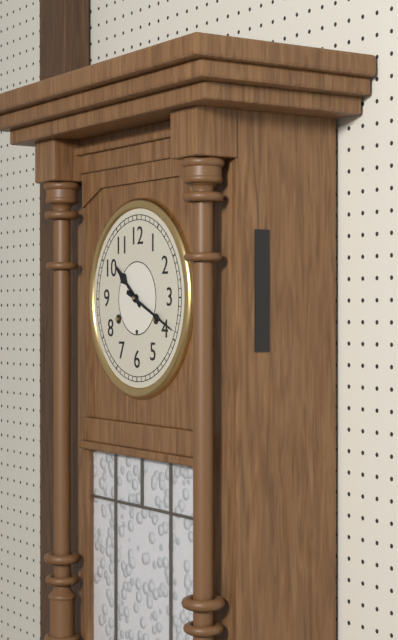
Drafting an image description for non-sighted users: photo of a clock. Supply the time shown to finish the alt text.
10:19
